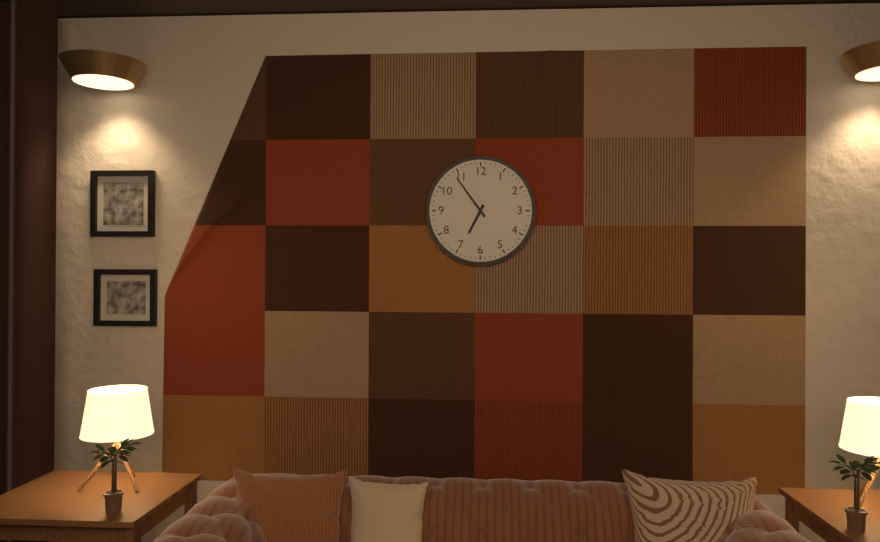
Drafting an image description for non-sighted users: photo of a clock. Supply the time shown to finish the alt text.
6:54
